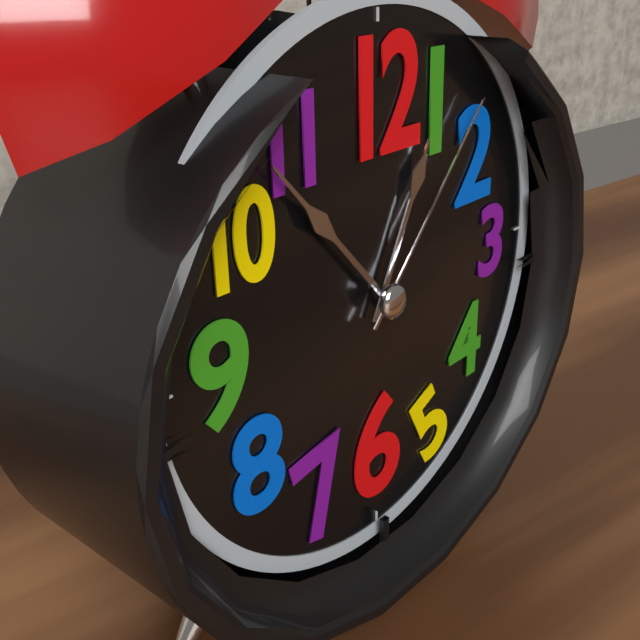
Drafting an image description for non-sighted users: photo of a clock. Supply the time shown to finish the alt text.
12:53:07
